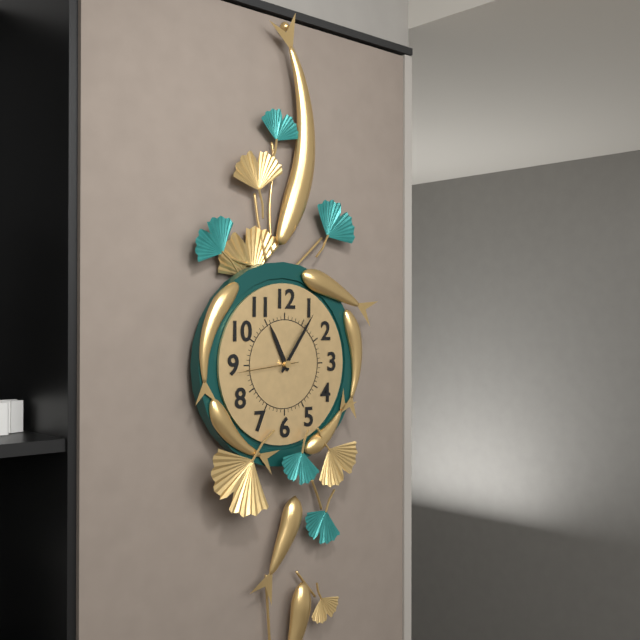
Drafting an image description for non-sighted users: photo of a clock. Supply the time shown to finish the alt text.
11:06:44
